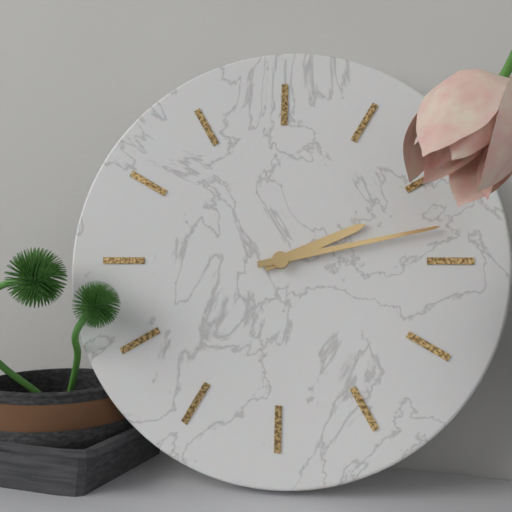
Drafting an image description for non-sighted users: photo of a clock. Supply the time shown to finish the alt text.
2:13
